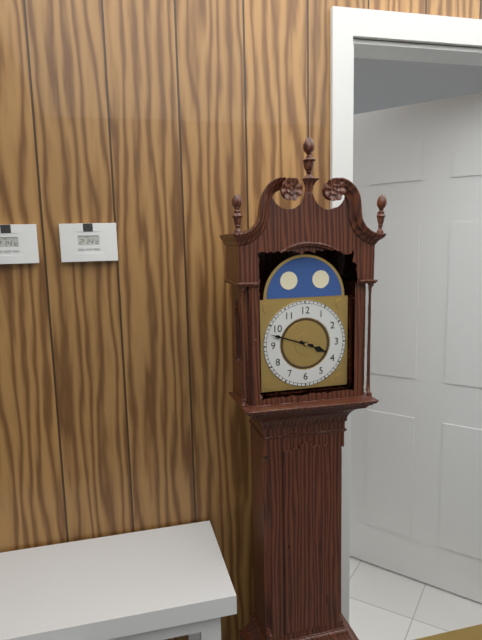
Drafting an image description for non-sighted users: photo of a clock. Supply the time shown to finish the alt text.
3:48
